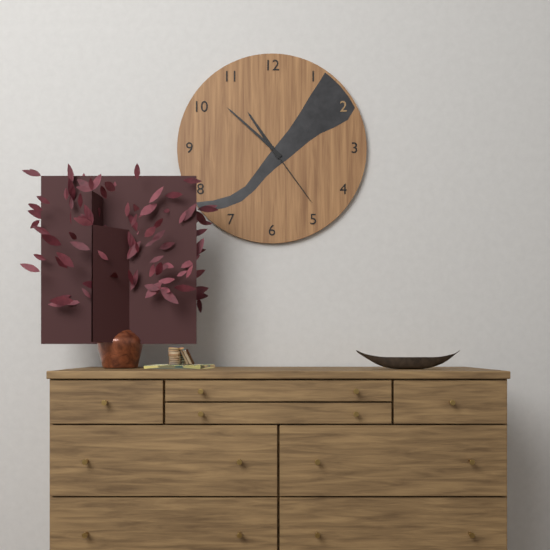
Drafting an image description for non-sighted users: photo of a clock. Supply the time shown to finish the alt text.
10:52:24
